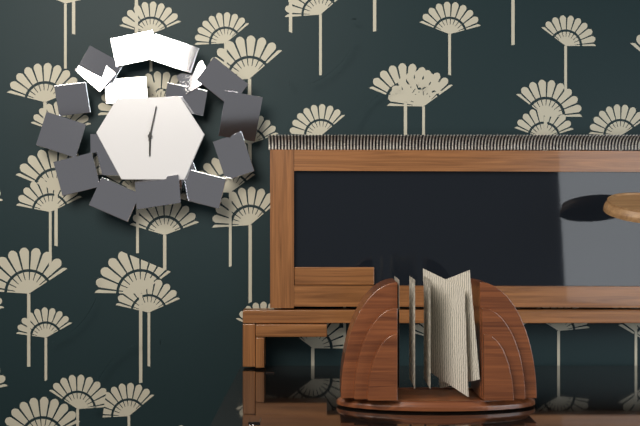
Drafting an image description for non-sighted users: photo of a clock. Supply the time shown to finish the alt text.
6:02
